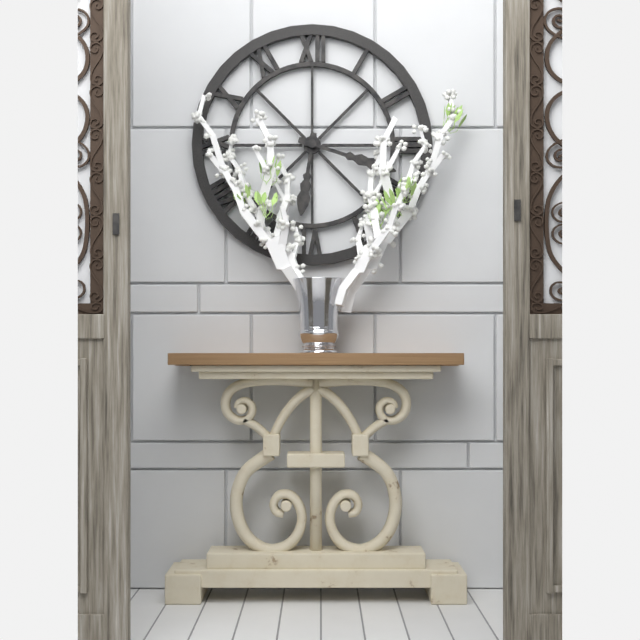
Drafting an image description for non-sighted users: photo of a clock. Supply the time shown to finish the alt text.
6:18
